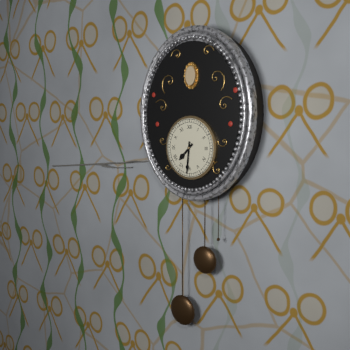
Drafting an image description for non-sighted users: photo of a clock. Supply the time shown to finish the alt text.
7:31
